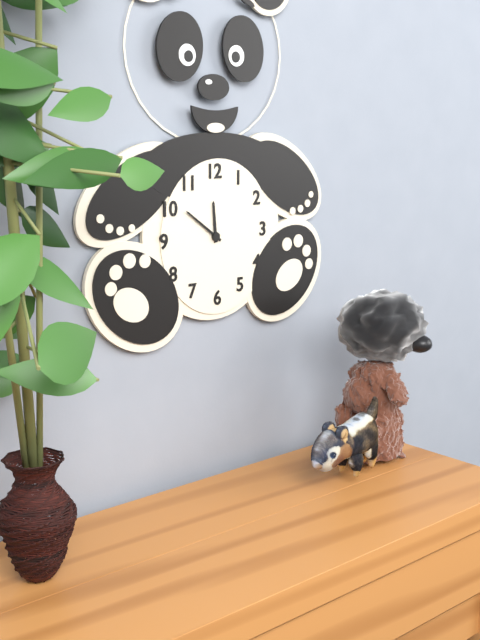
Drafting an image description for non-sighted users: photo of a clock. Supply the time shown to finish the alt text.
11:51
